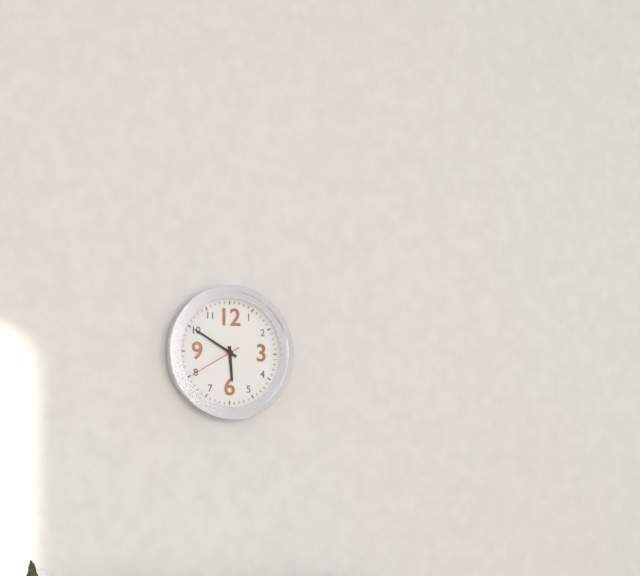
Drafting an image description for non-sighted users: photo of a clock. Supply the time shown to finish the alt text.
5:50:40
